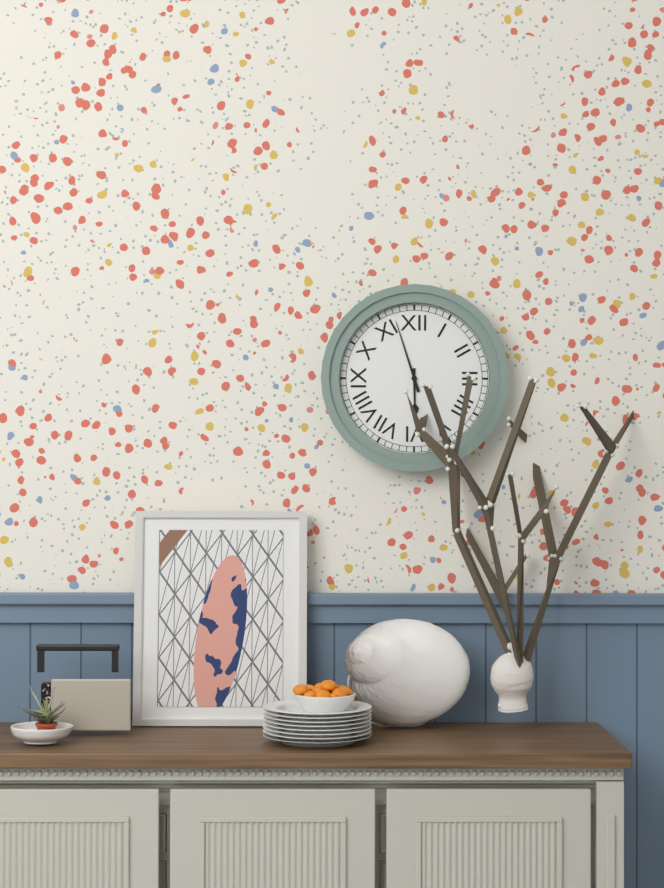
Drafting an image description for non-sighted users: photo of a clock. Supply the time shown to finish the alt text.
5:57
